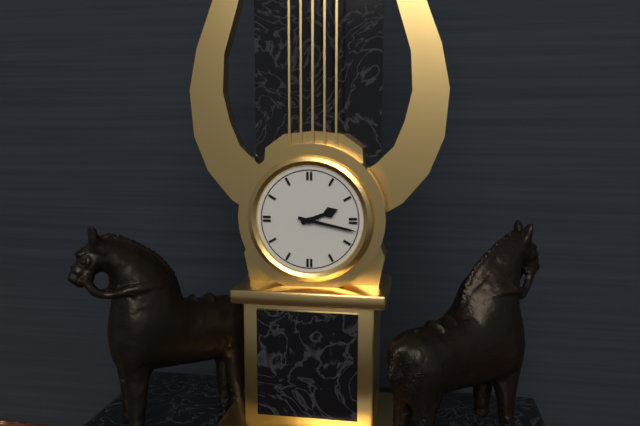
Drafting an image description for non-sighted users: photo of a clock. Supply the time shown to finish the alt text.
2:17
